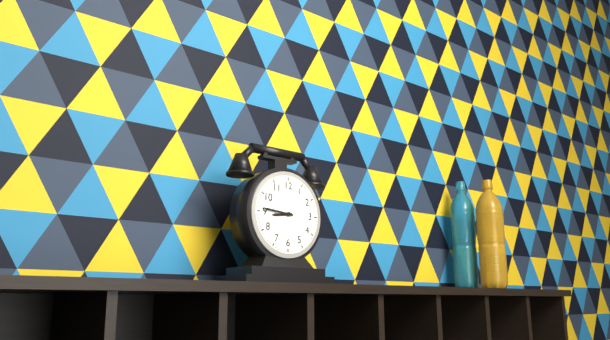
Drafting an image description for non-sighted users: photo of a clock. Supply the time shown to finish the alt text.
8:46
